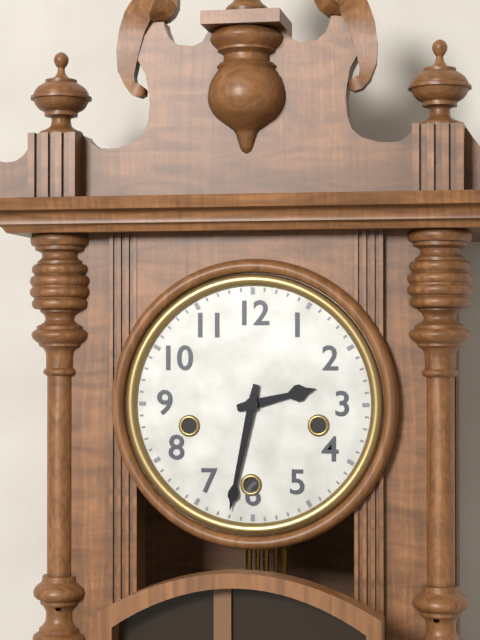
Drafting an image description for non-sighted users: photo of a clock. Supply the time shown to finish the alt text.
2:32
